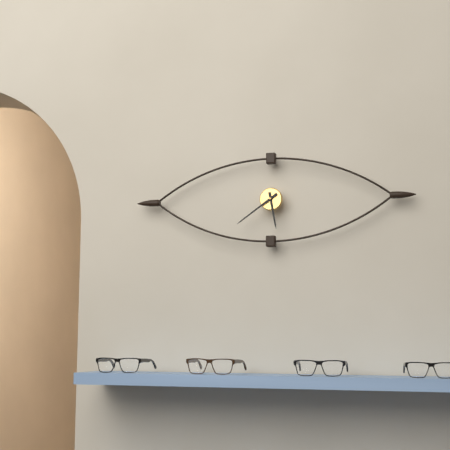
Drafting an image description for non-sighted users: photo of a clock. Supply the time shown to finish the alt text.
5:39
